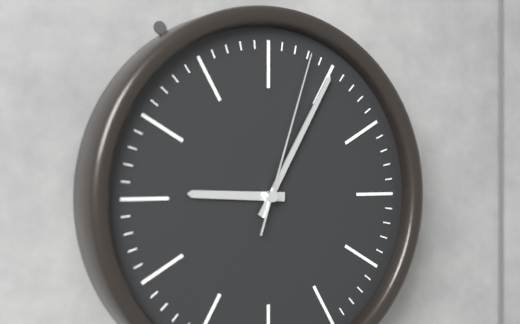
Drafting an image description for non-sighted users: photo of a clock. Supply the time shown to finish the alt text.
9:05:03
